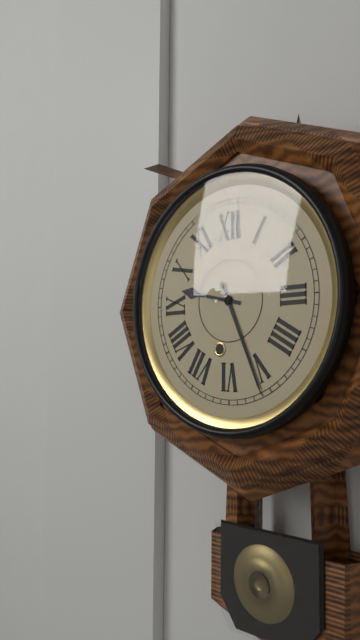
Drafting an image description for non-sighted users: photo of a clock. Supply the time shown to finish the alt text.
9:26
